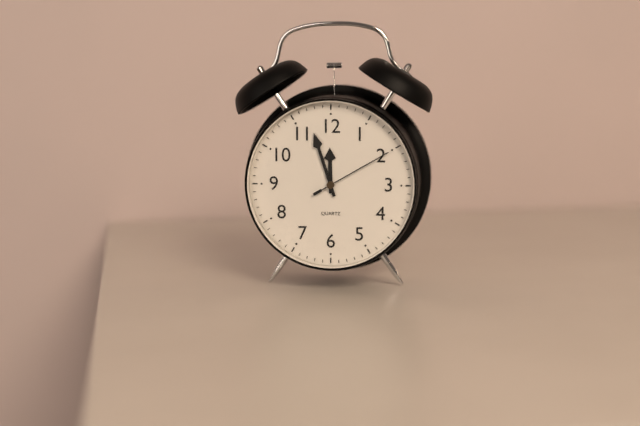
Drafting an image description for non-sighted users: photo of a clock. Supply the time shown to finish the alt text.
11:57:10
